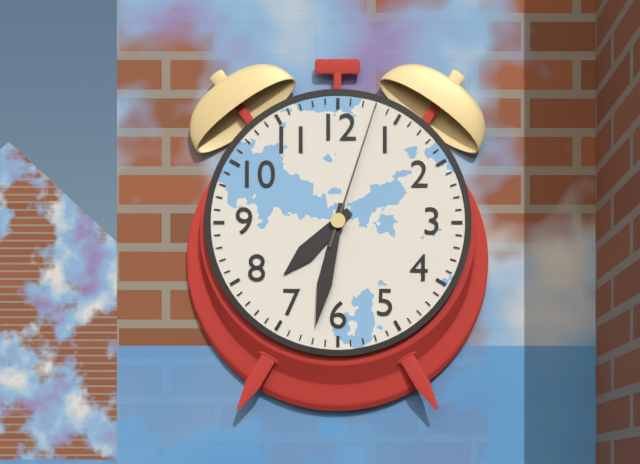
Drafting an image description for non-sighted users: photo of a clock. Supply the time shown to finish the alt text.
7:32:03
